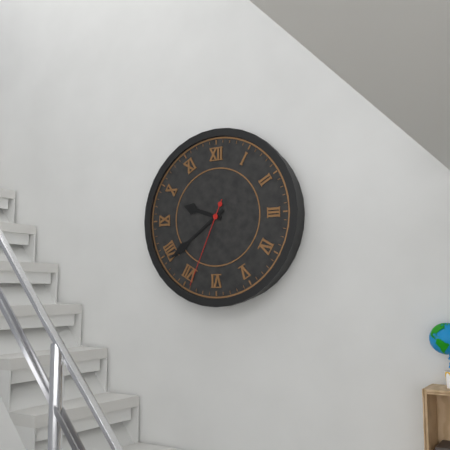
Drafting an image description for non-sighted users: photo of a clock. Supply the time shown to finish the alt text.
9:39:34
